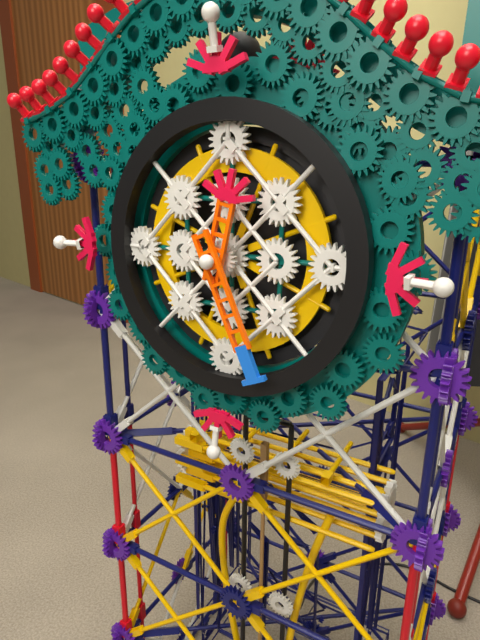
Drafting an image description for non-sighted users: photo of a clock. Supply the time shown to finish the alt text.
12:26
